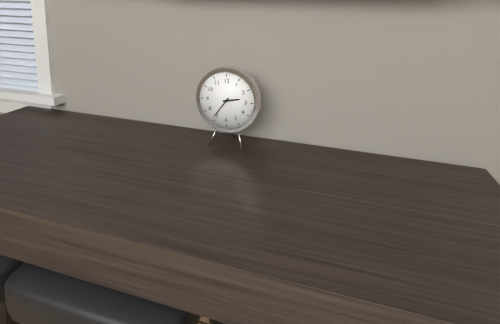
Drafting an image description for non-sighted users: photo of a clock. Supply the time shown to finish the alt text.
2:36
